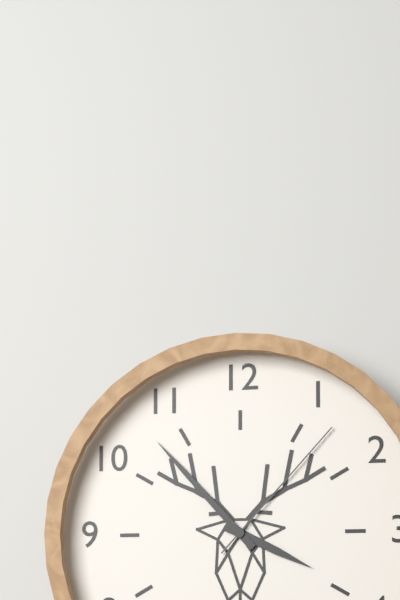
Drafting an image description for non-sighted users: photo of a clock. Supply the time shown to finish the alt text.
3:53:07
